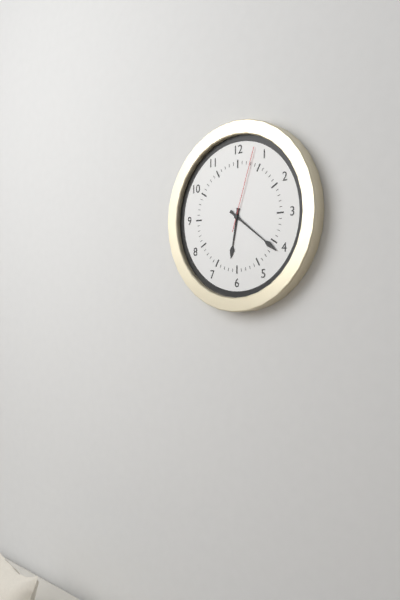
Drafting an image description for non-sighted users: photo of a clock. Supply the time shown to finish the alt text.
6:21:03
